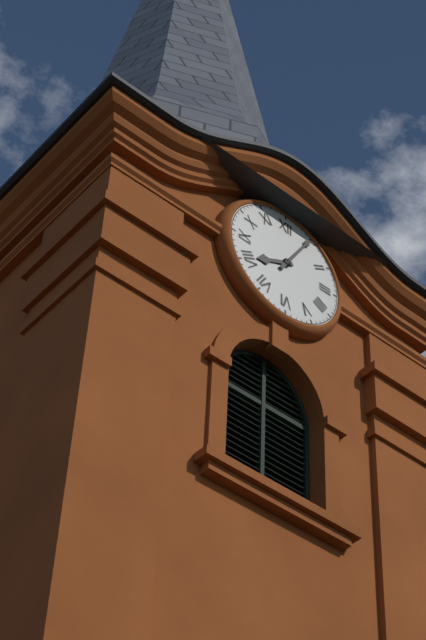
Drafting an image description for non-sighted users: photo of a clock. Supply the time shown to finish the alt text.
8:05
